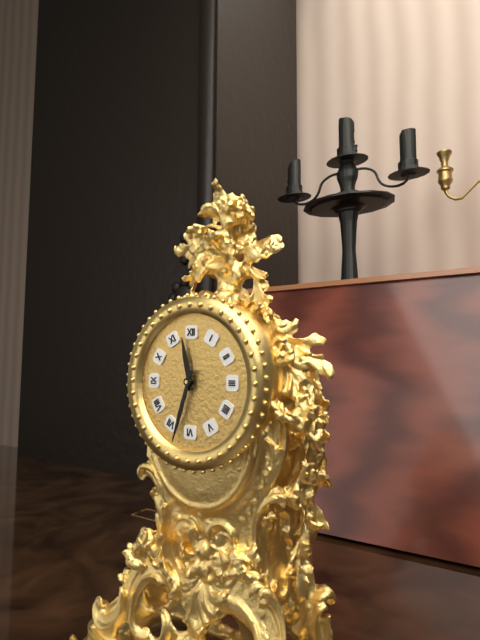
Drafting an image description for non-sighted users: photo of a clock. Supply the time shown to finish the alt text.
11:33
